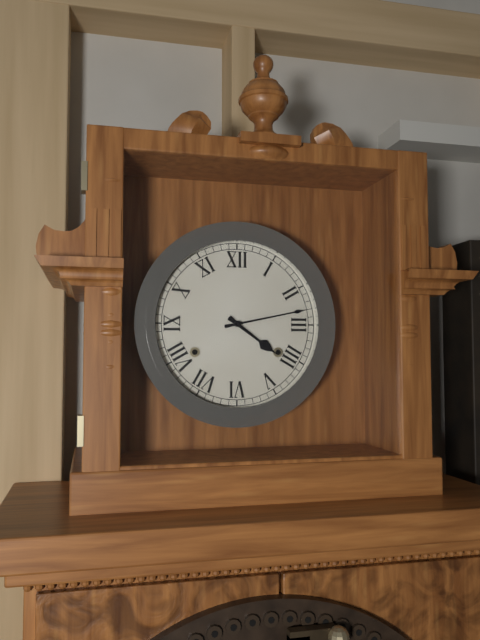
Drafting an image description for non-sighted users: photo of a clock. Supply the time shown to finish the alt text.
4:13
